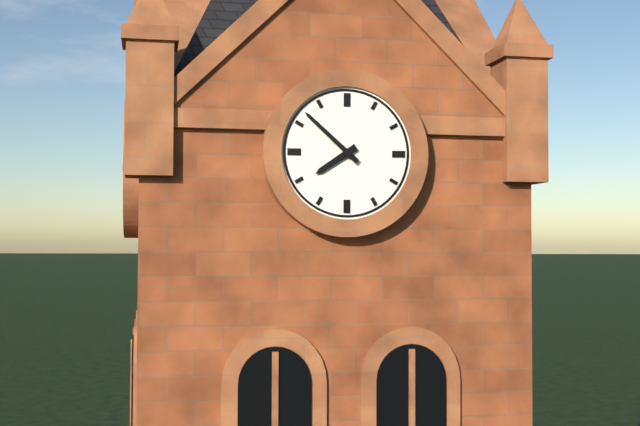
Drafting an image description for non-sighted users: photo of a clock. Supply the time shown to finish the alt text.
7:52
